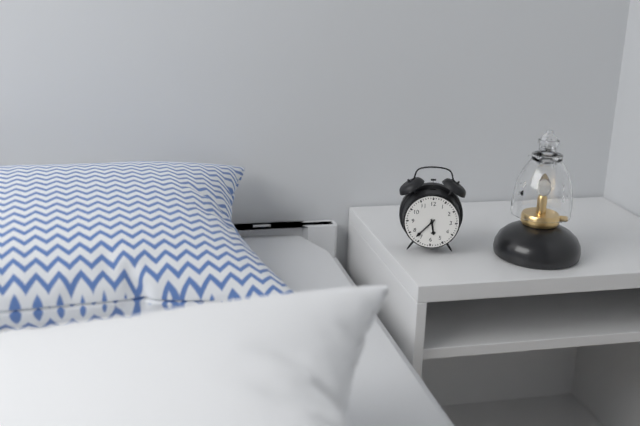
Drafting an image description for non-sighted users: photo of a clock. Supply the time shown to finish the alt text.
5:37
